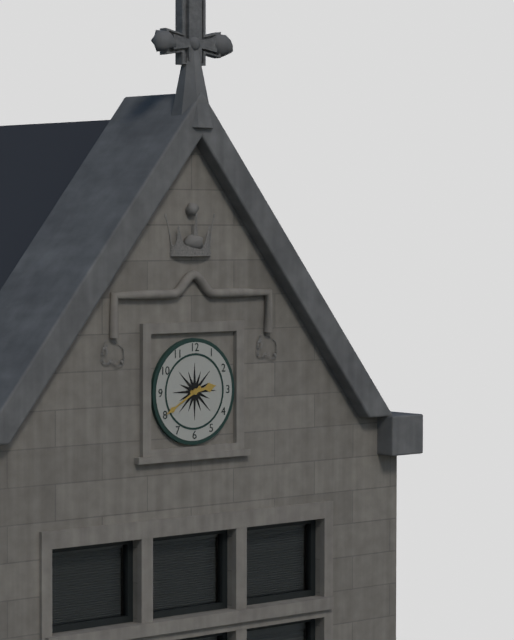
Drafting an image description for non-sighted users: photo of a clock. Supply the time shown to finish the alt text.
2:40
